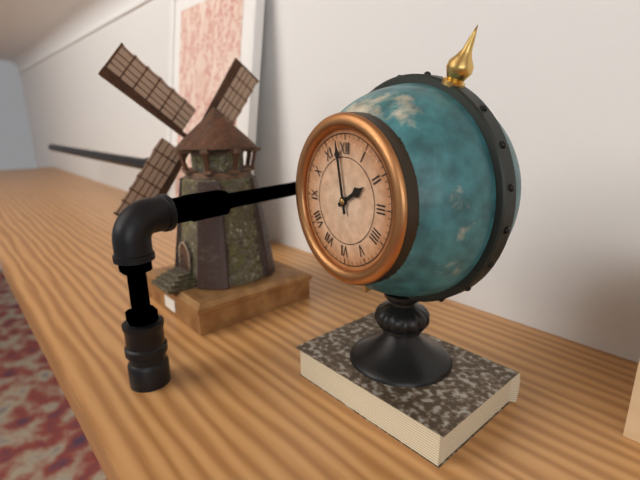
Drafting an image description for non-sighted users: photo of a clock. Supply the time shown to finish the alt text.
1:58
